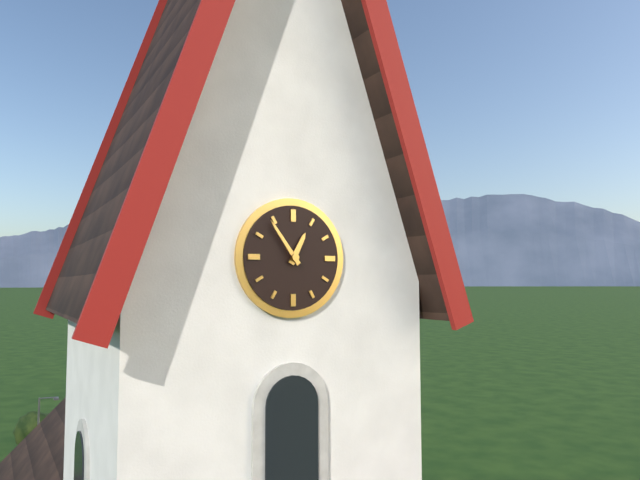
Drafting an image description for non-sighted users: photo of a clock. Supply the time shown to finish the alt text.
12:54
